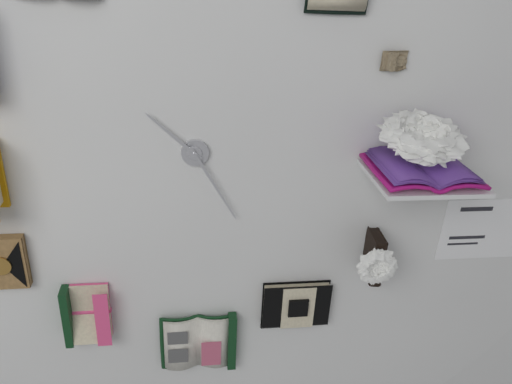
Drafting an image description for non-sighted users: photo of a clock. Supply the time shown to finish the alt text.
10:25
